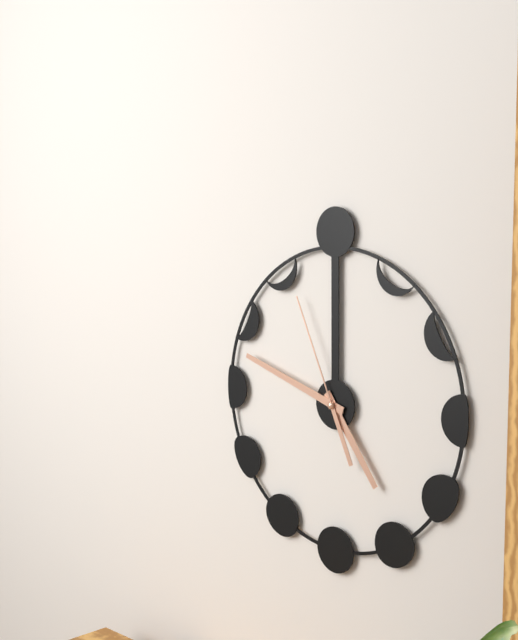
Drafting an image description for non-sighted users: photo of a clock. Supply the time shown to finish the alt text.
4:48:56
